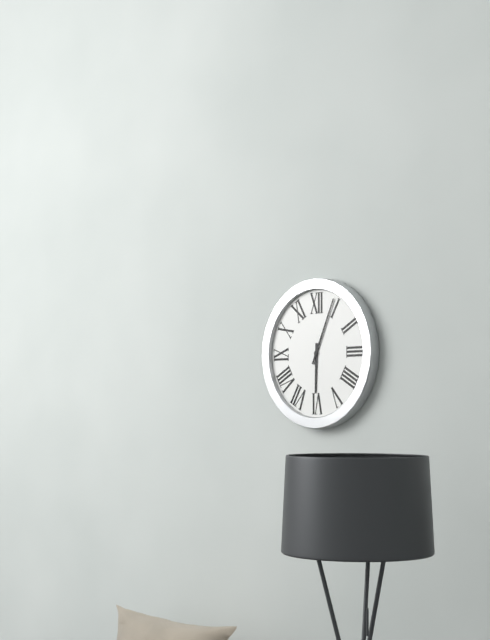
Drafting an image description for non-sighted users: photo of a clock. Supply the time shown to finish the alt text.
6:04
